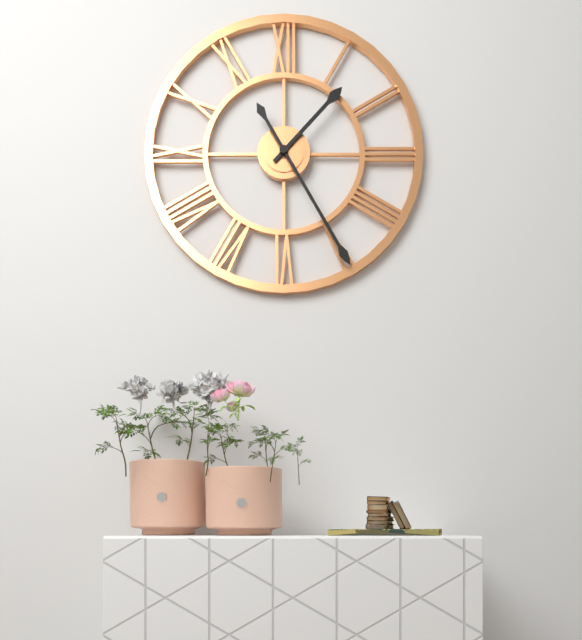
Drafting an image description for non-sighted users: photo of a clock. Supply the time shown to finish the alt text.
1:25
